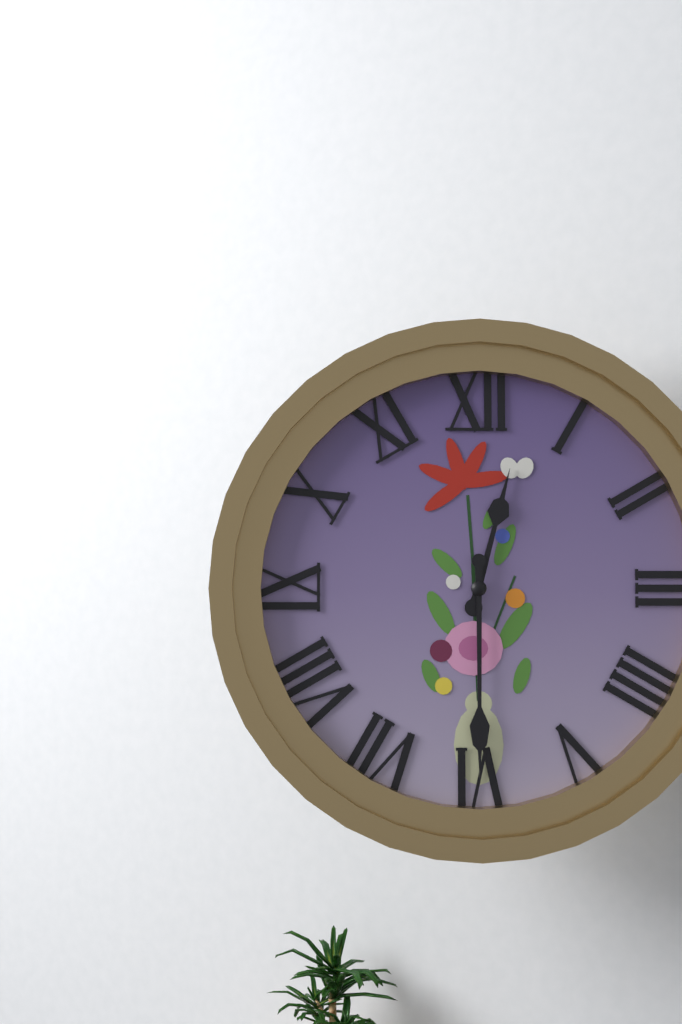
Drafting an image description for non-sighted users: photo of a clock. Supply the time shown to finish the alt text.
12:30
